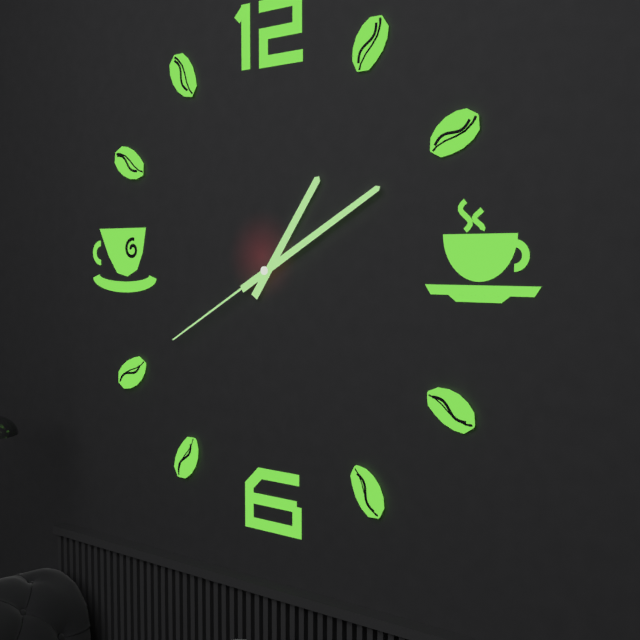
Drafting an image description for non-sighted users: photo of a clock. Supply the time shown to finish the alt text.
1:10:40
